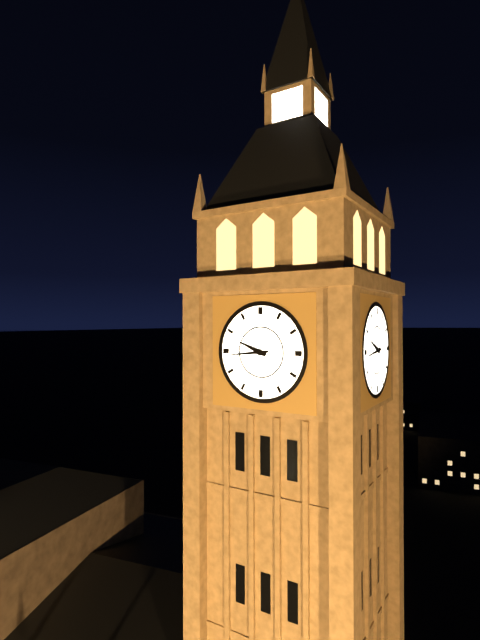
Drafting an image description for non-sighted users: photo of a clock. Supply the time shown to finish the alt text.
9:44
